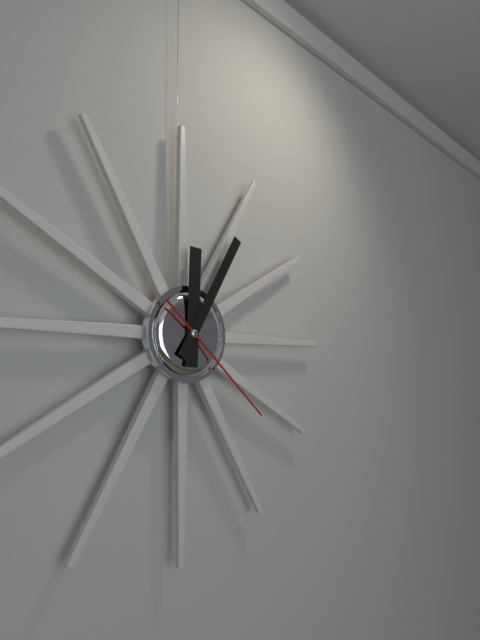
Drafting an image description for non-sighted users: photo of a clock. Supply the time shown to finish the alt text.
12:05:22
